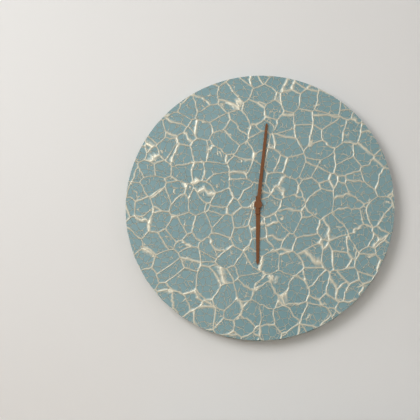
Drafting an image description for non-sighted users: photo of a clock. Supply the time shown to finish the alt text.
6:01
